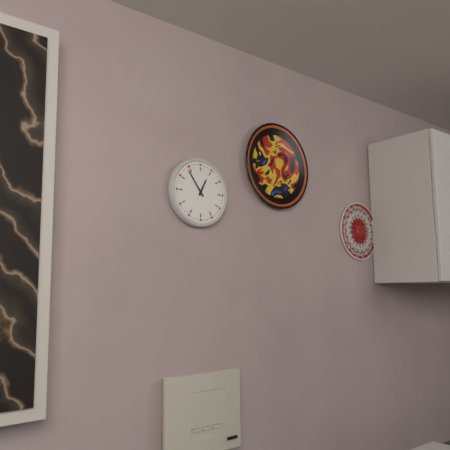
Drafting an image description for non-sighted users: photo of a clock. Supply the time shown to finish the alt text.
12:54
